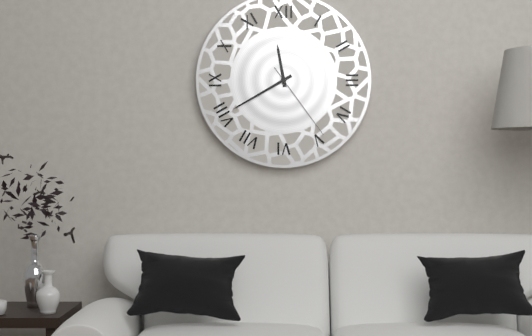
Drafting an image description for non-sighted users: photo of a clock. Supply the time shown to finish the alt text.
11:40:24
